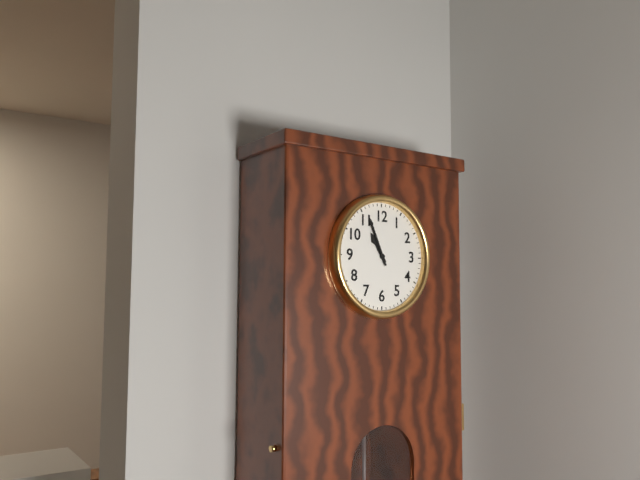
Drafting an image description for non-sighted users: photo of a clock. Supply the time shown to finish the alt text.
10:56
